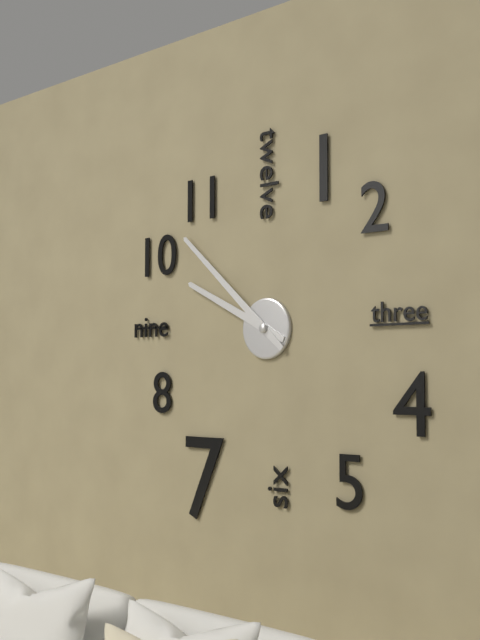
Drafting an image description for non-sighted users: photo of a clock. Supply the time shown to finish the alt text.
9:52
